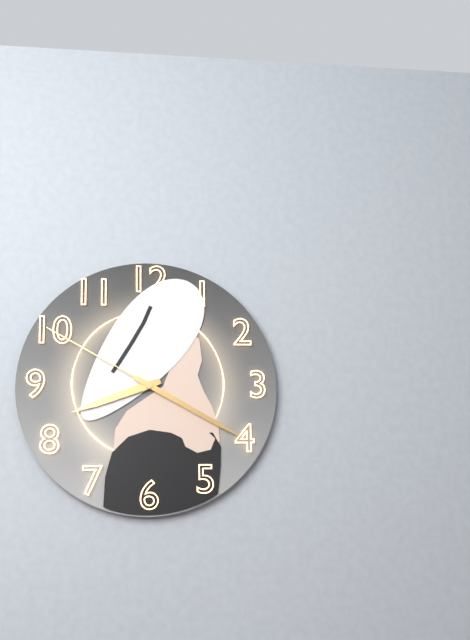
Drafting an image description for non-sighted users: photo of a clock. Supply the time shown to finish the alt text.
8:20:50
